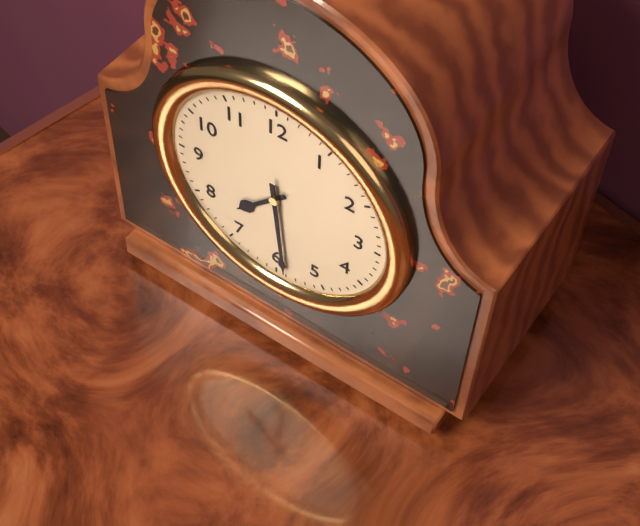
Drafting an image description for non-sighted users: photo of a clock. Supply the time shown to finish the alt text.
7:29
